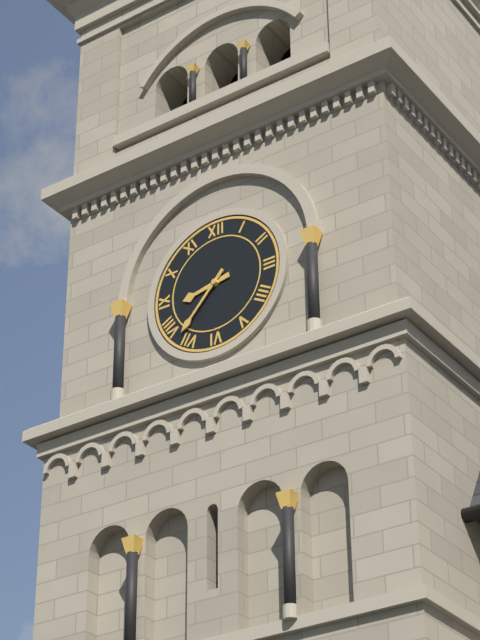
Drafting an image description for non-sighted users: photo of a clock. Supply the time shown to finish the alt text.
8:37
